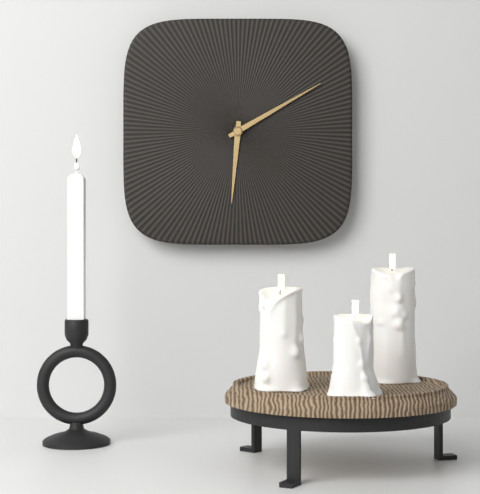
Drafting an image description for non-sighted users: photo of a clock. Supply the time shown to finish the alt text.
6:10
